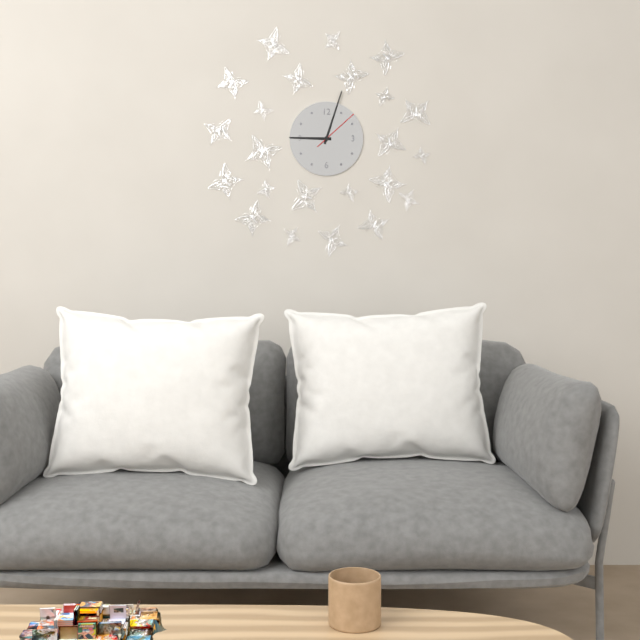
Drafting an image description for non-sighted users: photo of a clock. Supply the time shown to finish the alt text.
9:03
